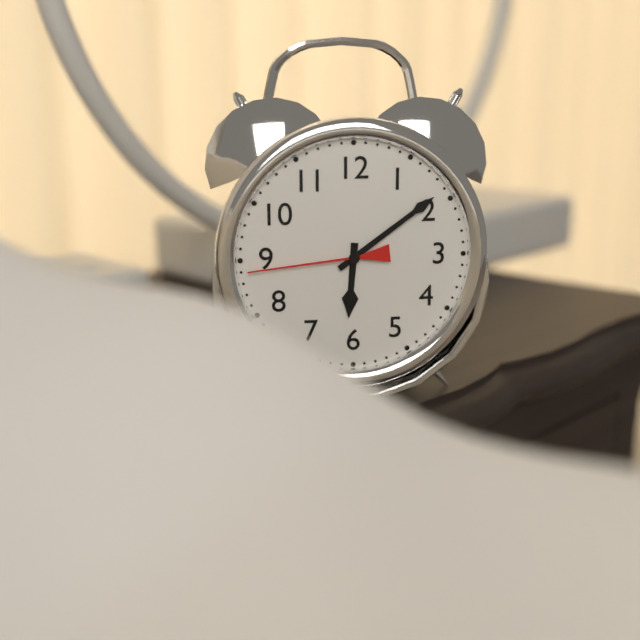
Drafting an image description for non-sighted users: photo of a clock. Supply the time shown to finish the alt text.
6:09:44
